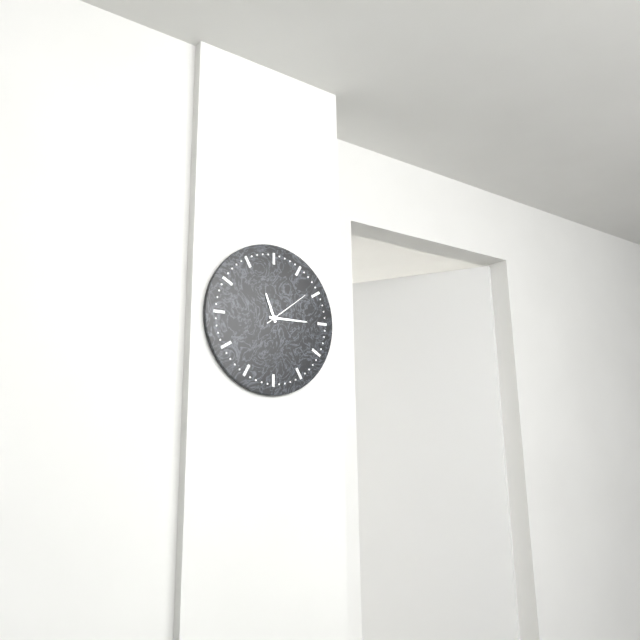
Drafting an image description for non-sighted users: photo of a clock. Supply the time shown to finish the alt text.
11:15:09
